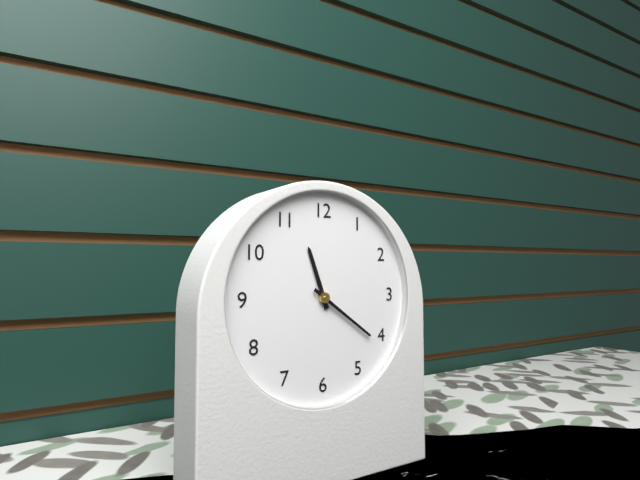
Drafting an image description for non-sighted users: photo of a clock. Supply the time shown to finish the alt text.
11:21
